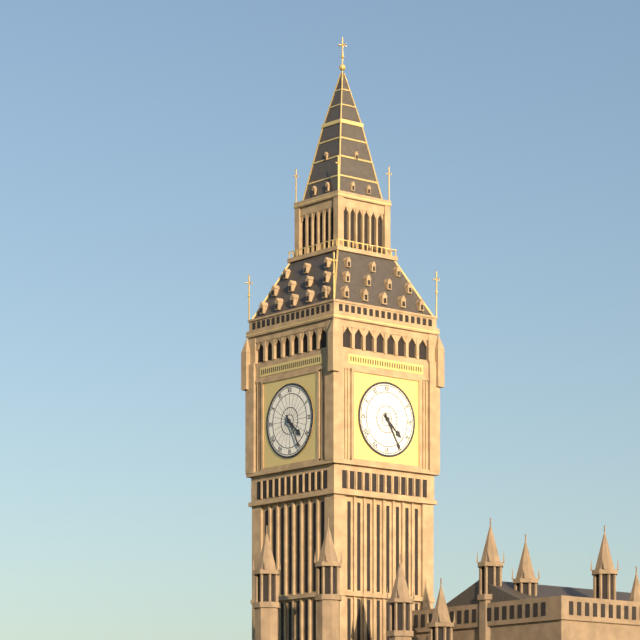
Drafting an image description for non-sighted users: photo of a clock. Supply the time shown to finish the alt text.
4:25
